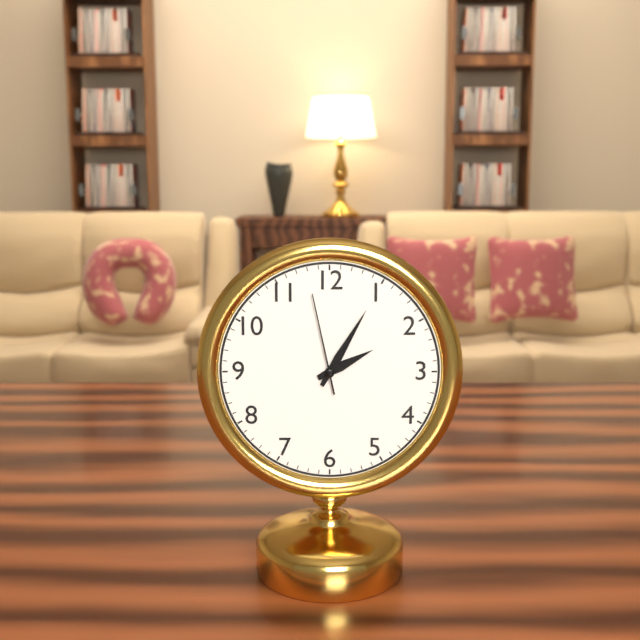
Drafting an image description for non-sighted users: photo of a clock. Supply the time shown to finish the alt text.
2:05:58
